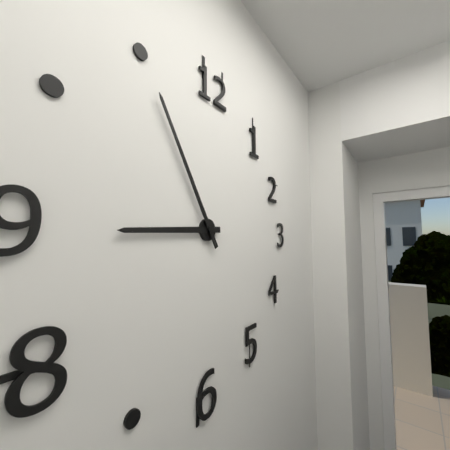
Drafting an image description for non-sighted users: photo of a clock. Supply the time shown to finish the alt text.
8:55
